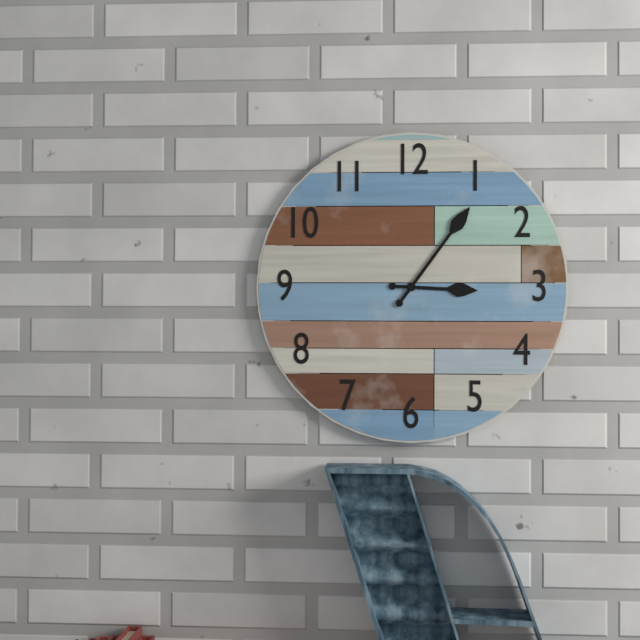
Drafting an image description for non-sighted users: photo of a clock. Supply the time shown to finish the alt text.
3:06
